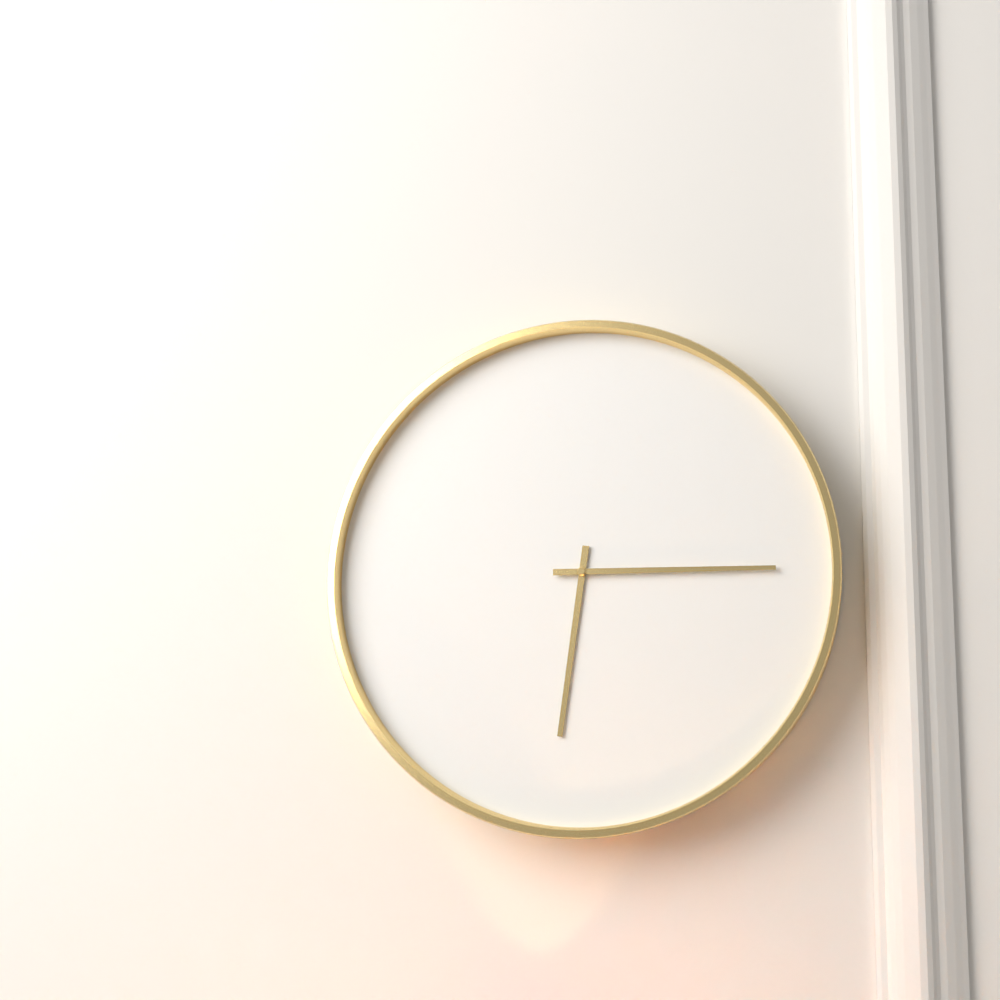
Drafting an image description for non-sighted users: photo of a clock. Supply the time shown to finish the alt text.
6:15
